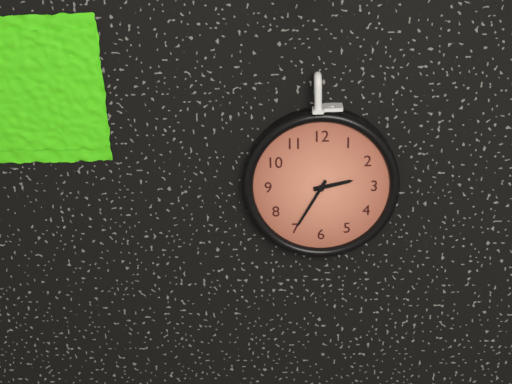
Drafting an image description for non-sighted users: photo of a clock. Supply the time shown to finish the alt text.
2:35
